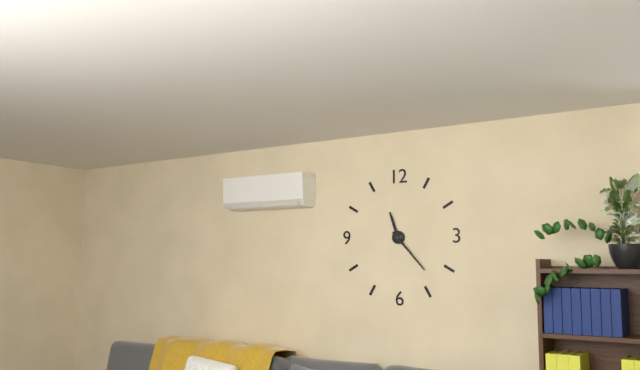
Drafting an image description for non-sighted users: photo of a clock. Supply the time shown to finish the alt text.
11:23
